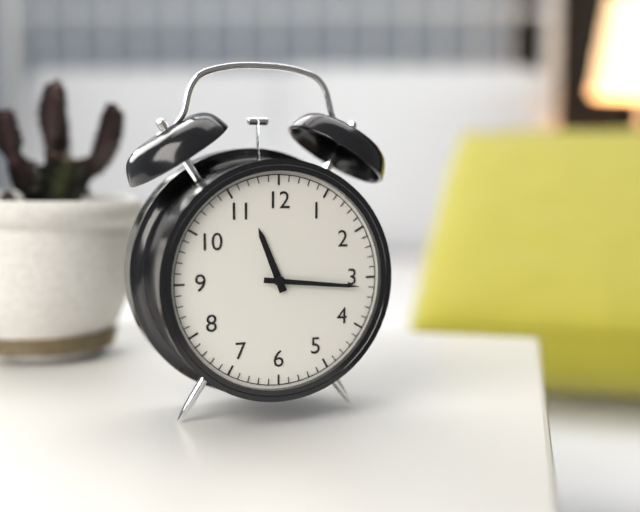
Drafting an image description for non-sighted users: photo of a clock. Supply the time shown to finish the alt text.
11:16
